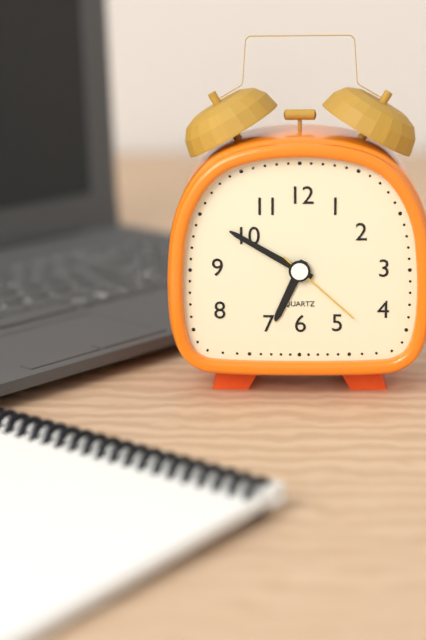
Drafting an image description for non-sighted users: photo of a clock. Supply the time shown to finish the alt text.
6:50:22
